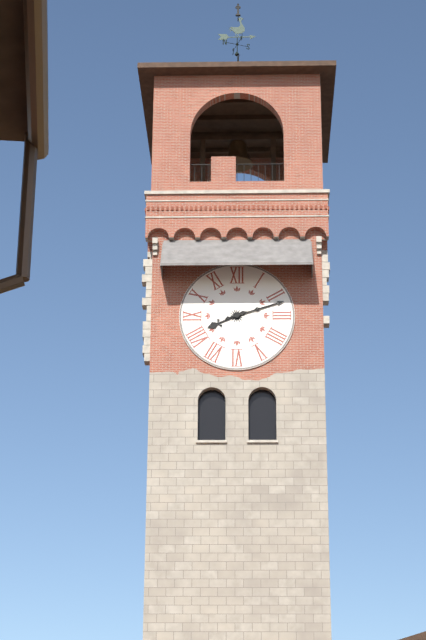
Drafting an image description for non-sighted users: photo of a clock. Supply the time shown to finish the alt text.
8:12
